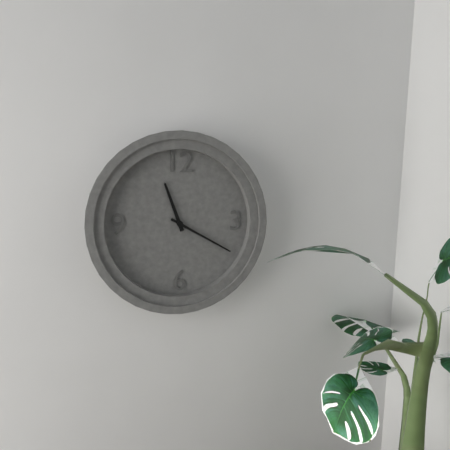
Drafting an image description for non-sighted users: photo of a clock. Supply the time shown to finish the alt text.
11:20
